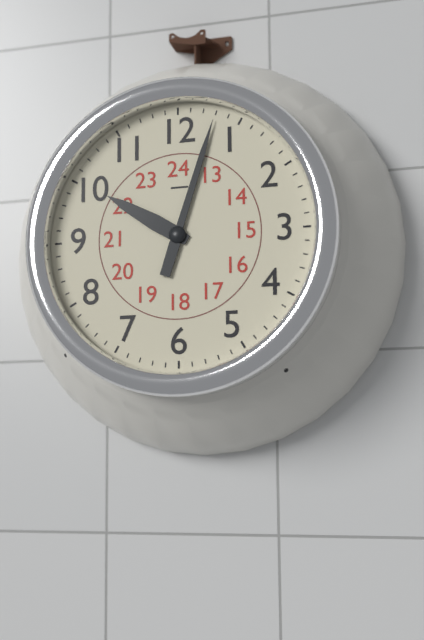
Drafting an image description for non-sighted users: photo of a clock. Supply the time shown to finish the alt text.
10:03
